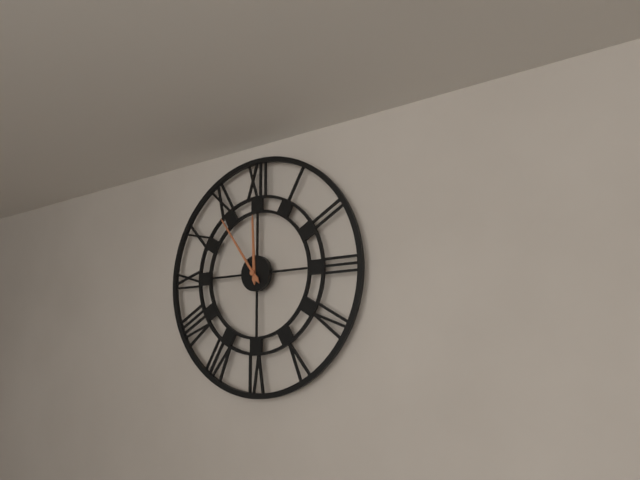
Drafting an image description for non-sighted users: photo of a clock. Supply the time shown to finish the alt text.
11:54
